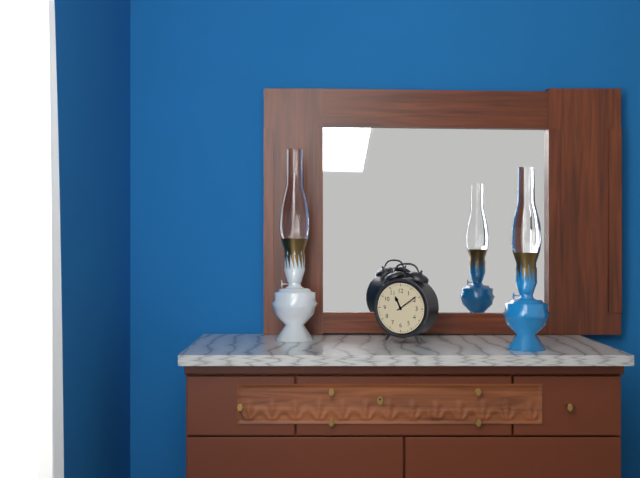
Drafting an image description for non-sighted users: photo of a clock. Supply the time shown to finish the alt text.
11:09
